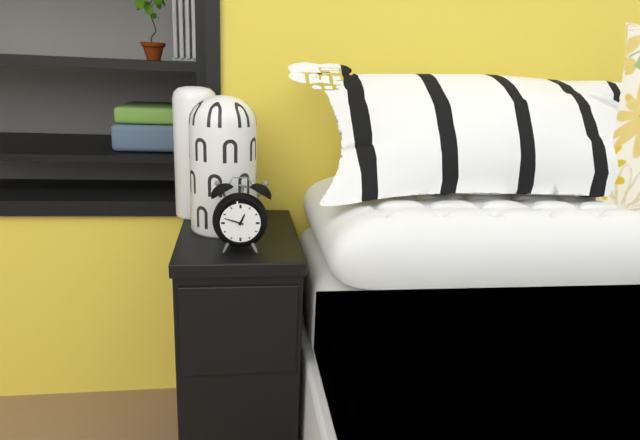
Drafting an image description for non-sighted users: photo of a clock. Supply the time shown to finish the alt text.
12:48
